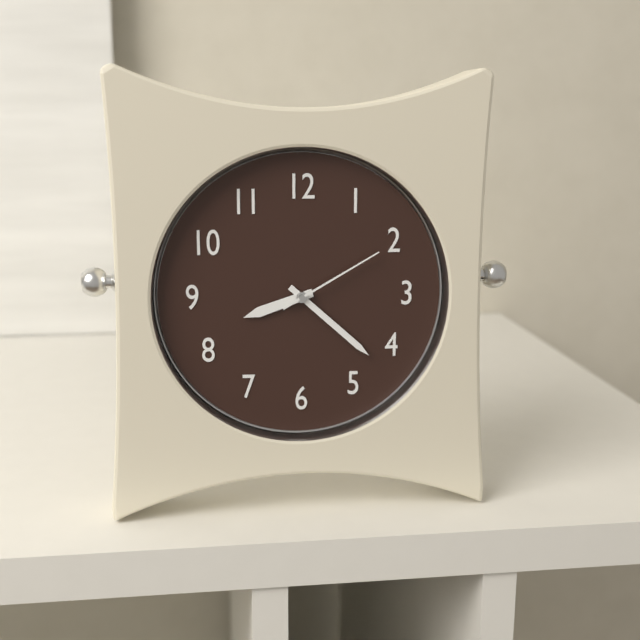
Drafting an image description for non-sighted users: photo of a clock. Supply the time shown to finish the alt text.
8:22:10
